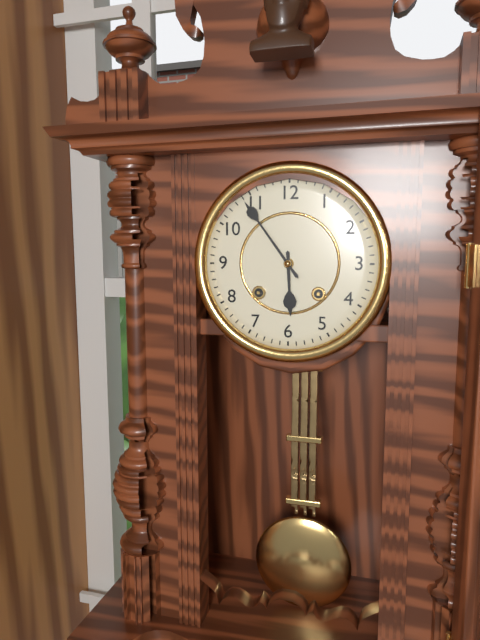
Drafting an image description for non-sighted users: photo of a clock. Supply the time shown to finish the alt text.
5:54
